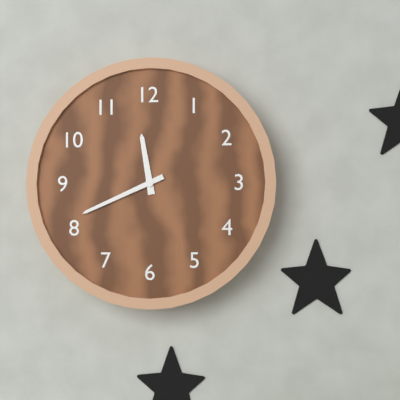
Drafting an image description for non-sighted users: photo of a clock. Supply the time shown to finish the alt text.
11:41
